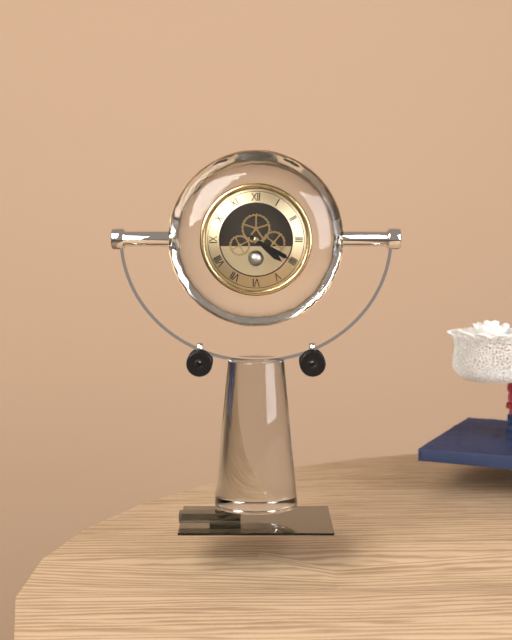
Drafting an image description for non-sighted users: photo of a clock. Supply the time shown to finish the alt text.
4:20
